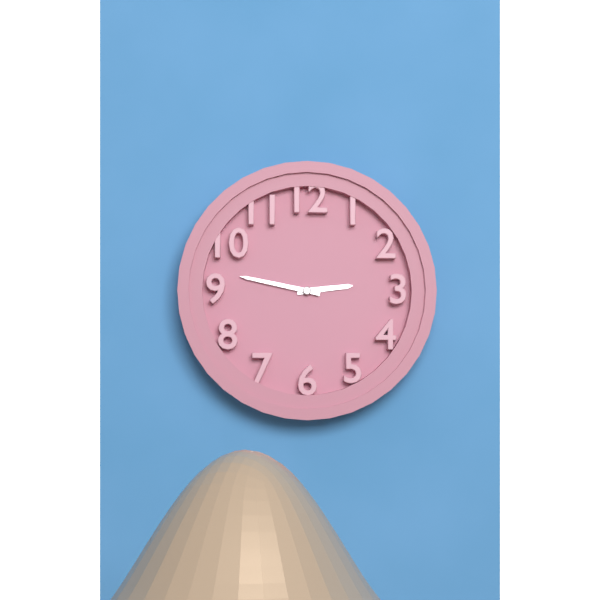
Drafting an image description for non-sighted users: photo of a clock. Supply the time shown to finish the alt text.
2:47
